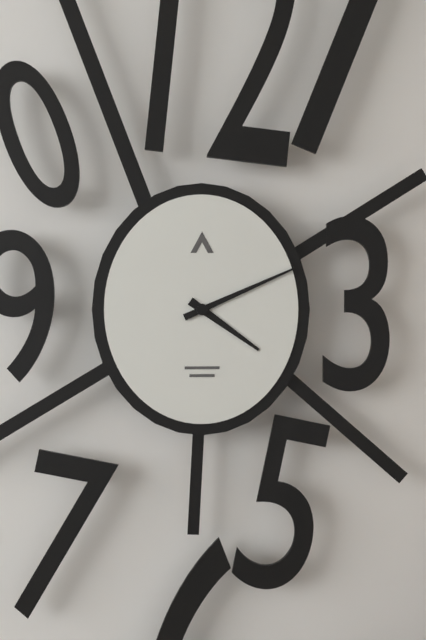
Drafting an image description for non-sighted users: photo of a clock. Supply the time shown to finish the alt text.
4:11
